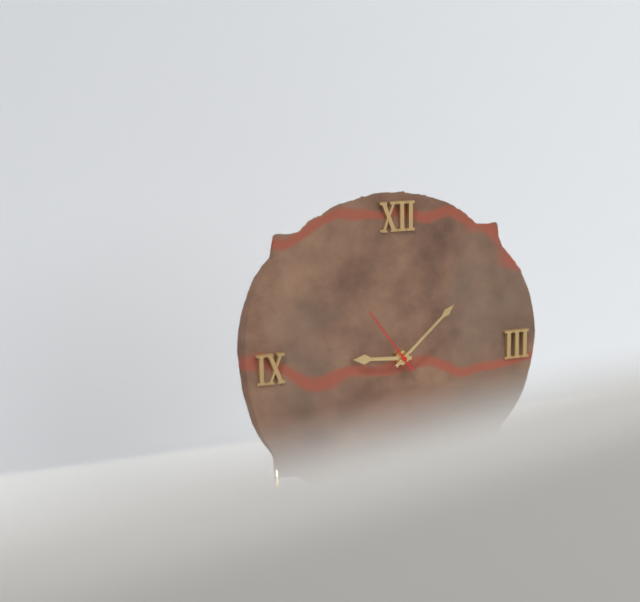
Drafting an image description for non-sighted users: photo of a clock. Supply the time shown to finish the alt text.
9:08:54
